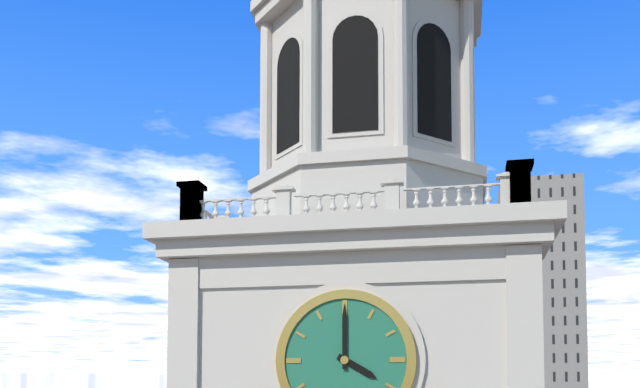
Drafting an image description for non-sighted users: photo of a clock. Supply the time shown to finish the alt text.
4:00
